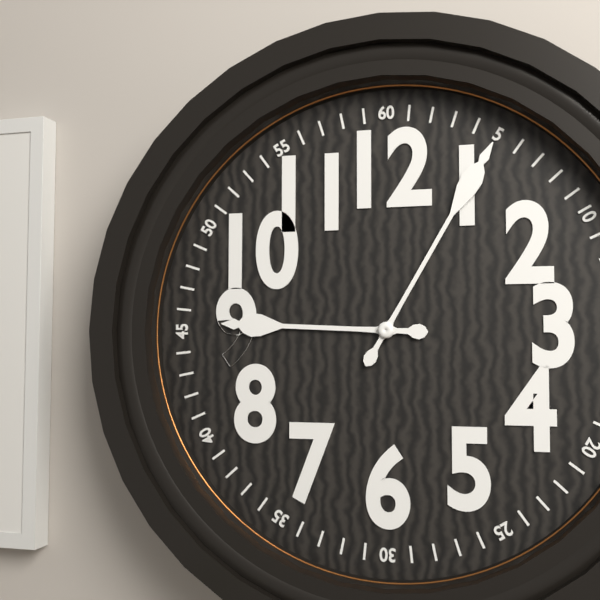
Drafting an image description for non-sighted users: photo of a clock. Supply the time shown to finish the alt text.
9:05
